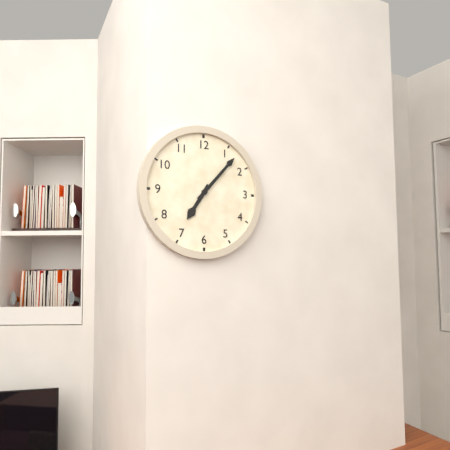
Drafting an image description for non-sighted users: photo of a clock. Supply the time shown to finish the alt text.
7:07
